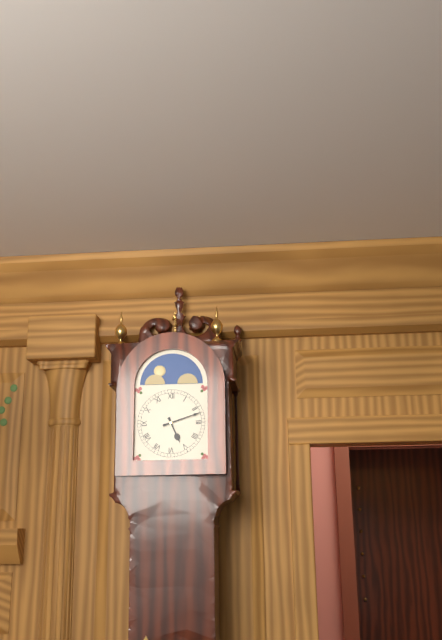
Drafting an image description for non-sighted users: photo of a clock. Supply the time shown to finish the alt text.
5:12
